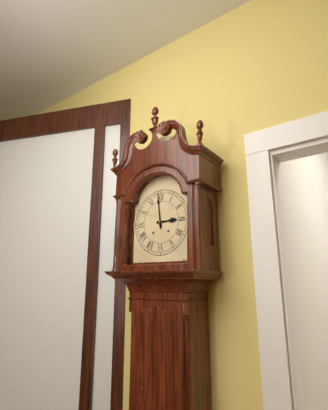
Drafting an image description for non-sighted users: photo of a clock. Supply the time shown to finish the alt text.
2:59
